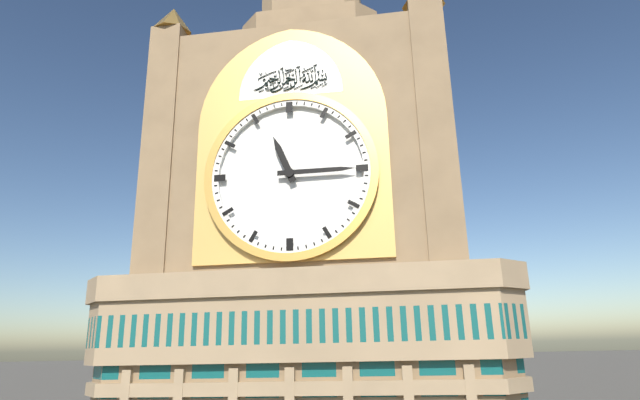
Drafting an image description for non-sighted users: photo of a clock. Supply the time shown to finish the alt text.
11:15
